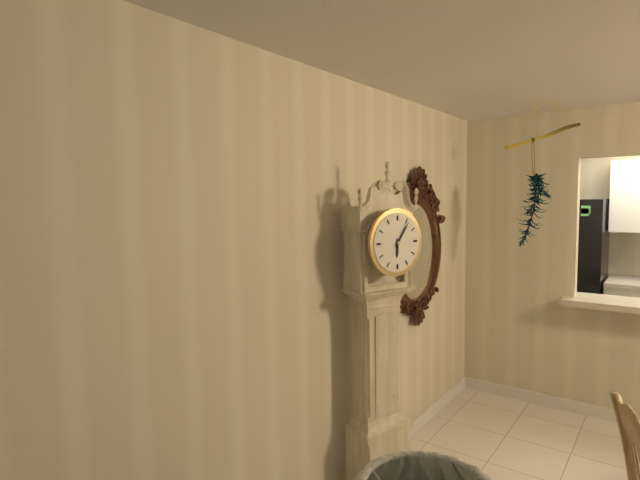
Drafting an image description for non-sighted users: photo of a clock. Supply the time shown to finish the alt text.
6:06
